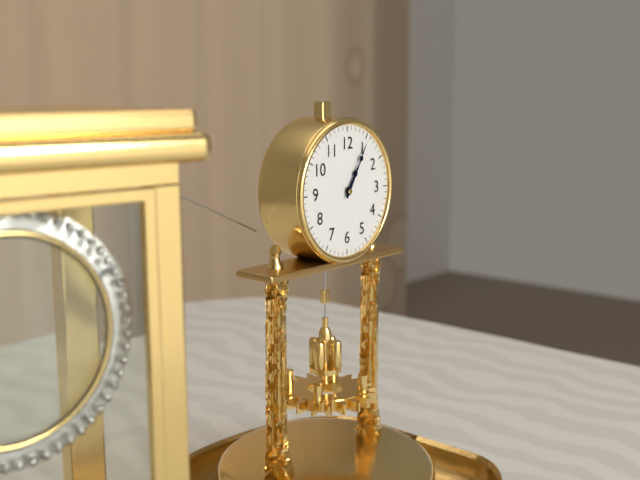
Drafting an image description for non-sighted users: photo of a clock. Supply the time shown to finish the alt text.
1:05
